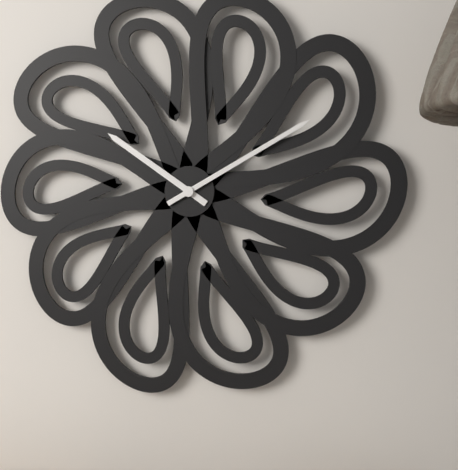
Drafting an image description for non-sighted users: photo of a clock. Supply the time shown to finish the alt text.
10:10
